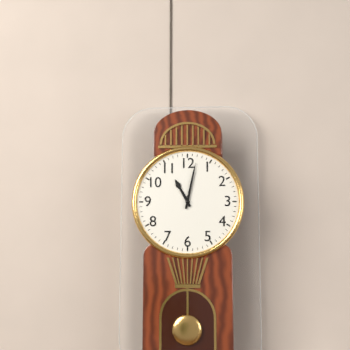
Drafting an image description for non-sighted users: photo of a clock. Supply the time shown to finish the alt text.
11:02
